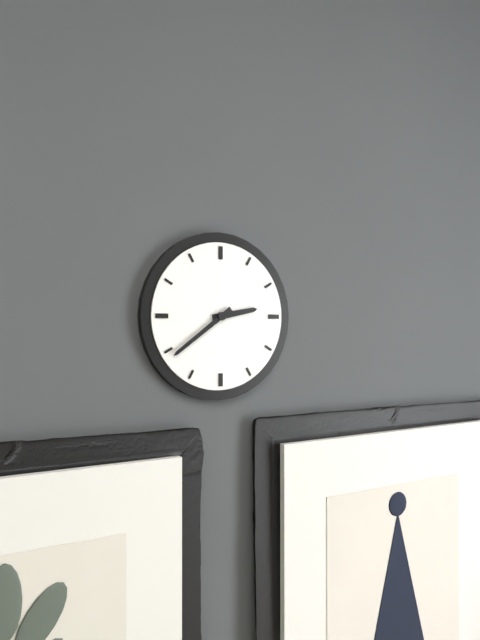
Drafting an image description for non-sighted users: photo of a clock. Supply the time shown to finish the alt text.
2:39
